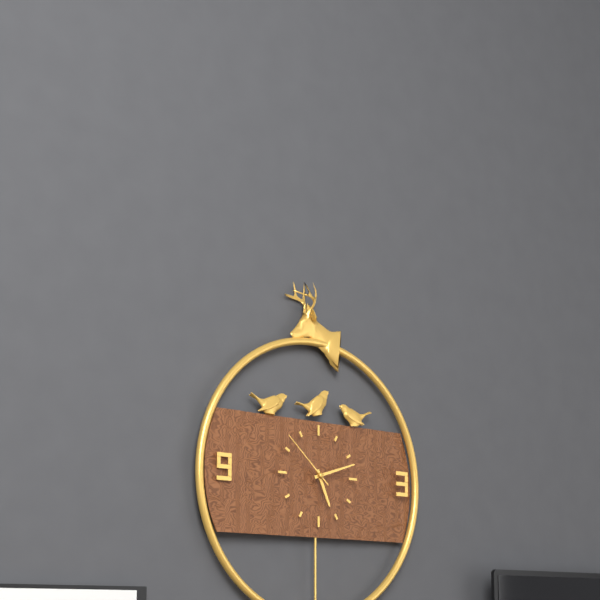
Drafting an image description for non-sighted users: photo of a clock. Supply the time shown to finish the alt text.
5:12:52
